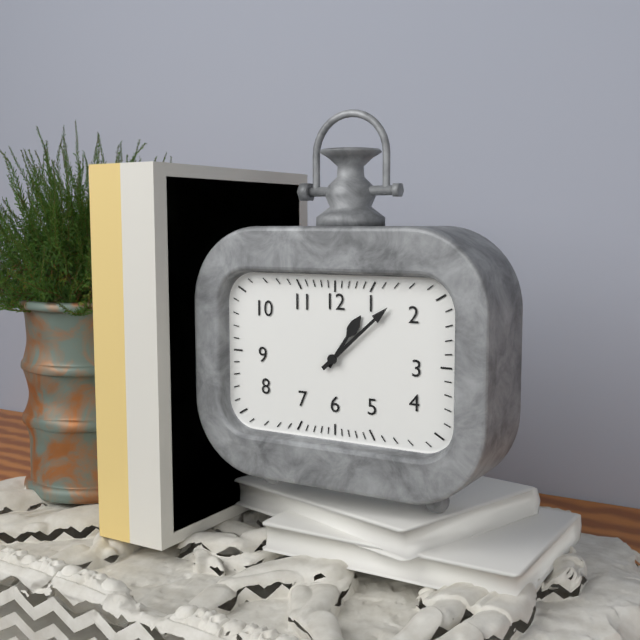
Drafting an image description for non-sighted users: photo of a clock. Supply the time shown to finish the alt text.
1:08
